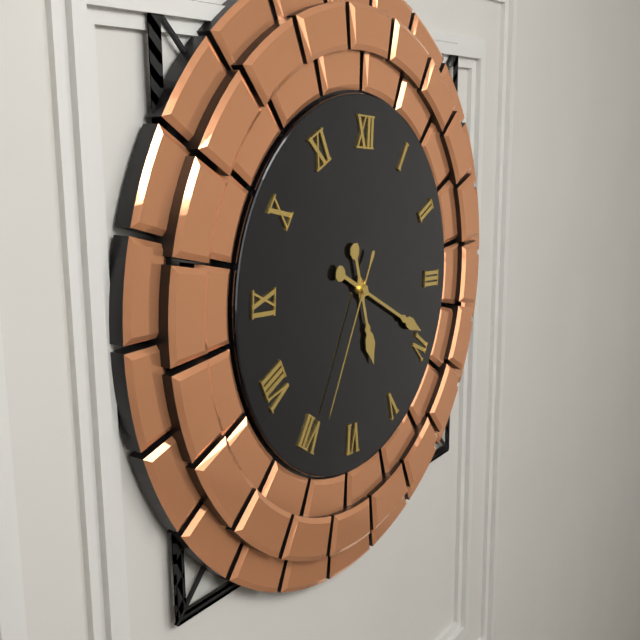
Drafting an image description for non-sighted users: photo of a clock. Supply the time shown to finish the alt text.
5:19:34
